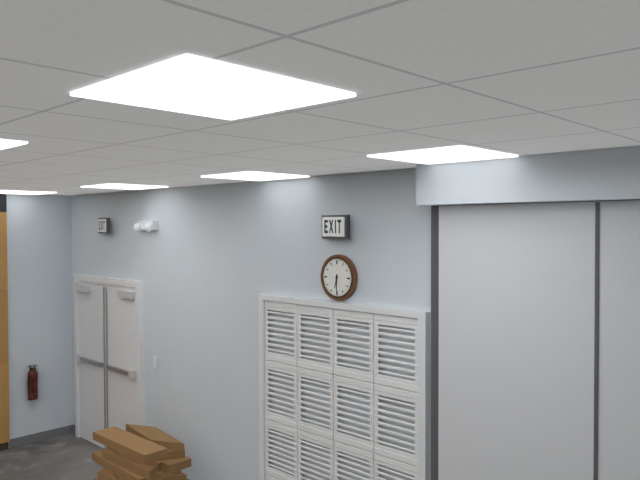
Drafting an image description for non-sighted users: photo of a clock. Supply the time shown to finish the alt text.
6:30
